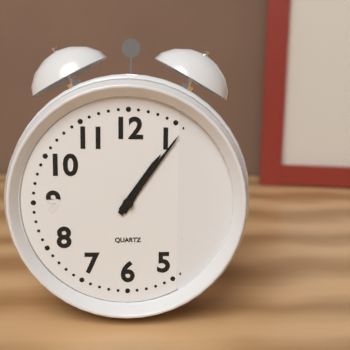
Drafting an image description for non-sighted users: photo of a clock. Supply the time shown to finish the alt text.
1:06
